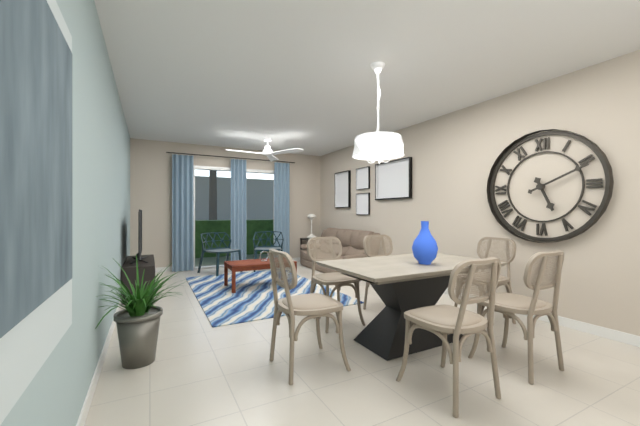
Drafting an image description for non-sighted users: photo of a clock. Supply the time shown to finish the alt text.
5:11
